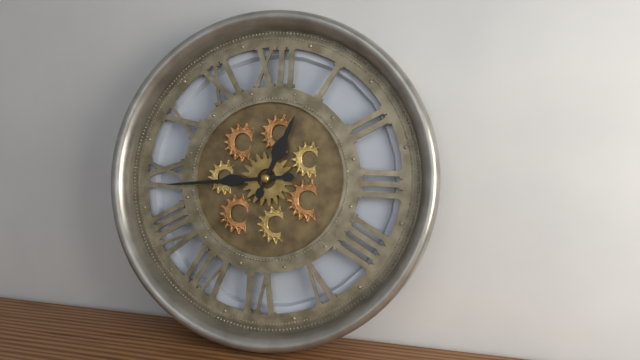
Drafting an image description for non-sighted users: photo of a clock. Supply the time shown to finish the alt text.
12:44
